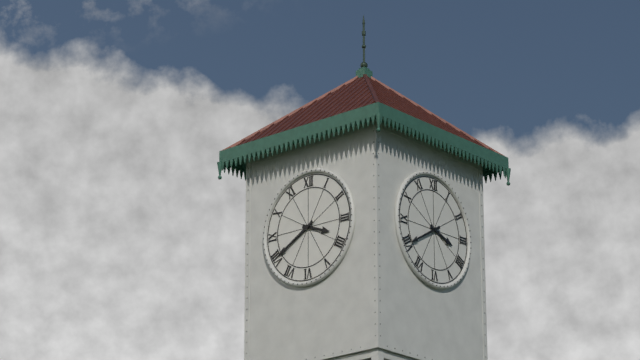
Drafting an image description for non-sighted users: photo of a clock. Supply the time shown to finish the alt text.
3:40
